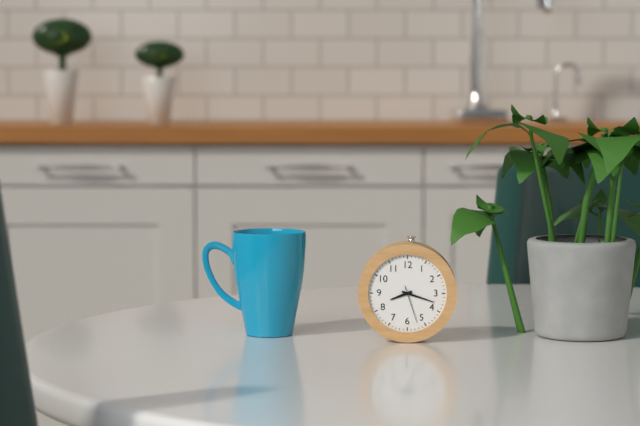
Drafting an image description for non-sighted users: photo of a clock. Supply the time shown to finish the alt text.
8:18
